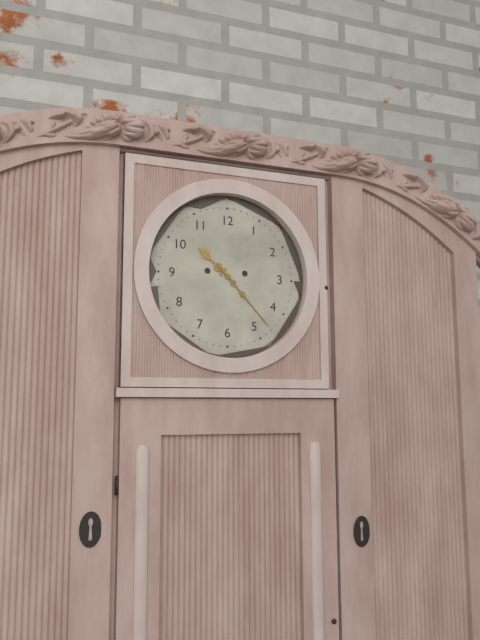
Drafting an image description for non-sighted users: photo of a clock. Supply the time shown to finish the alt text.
10:23
